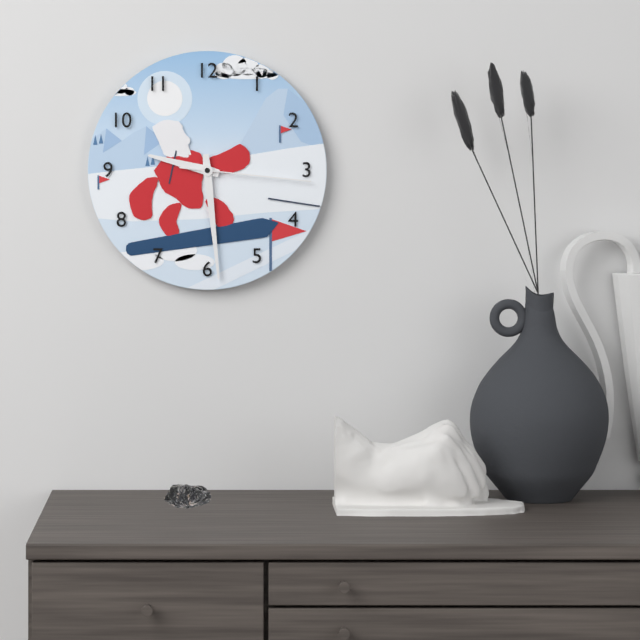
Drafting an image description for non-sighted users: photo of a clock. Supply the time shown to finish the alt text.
9:29:16
